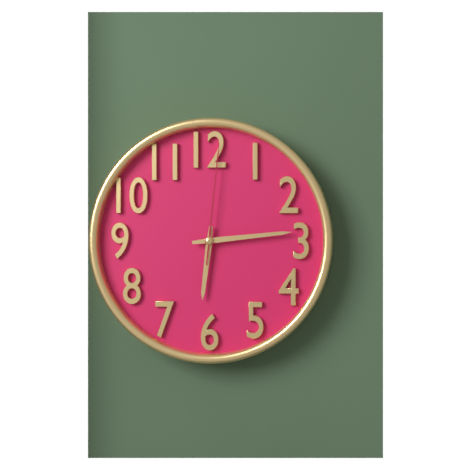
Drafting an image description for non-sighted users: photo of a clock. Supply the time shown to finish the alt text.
6:14:01
